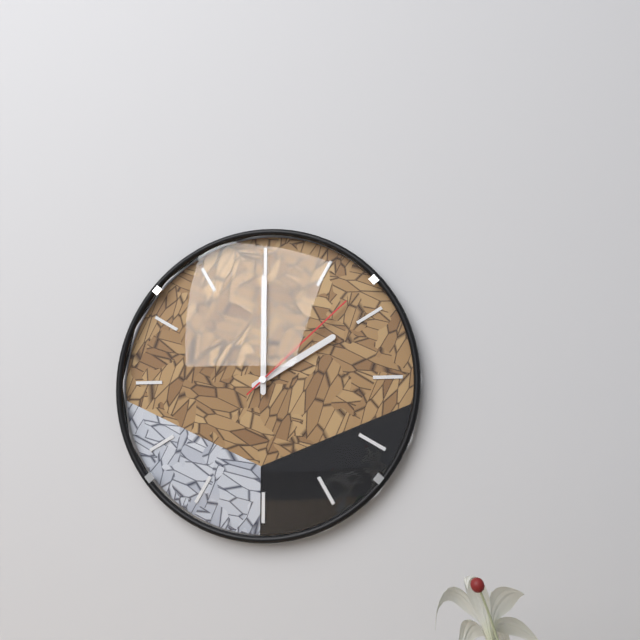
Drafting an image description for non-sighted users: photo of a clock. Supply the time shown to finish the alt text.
2:00:08
